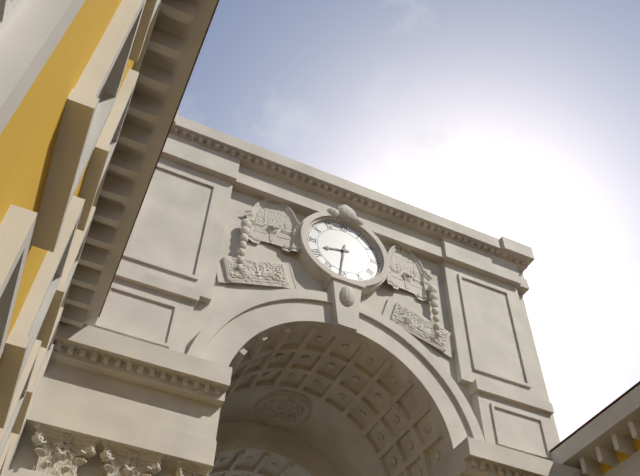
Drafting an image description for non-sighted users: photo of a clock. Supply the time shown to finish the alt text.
8:31
